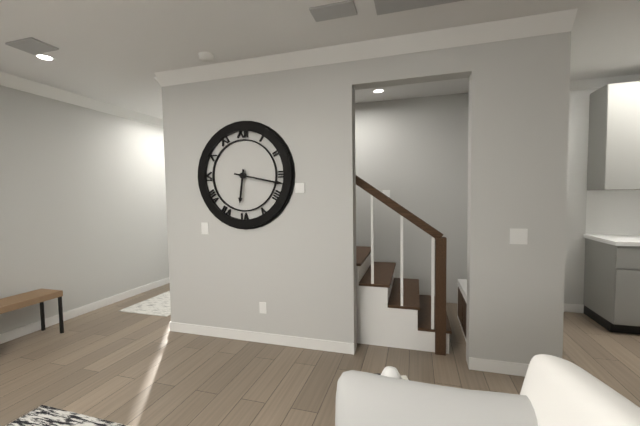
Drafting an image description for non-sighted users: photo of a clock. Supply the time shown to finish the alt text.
6:17
